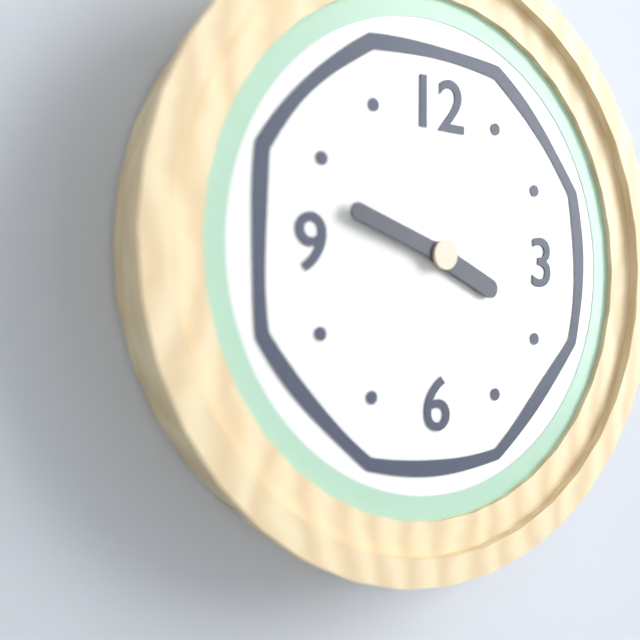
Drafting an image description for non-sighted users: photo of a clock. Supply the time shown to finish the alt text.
3:48
